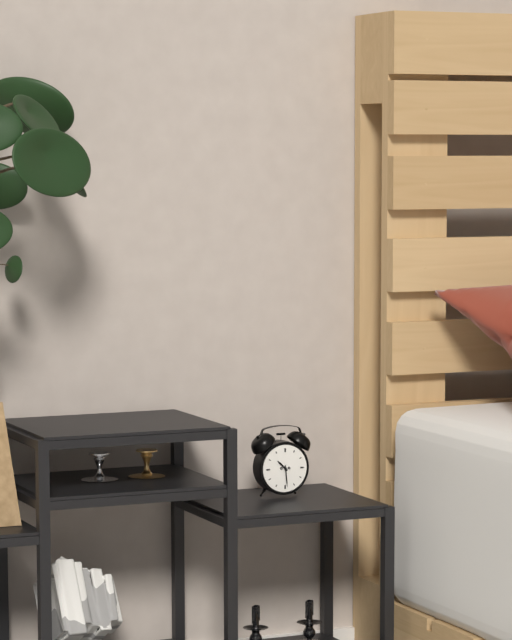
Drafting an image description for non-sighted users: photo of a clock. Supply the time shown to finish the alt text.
10:29
